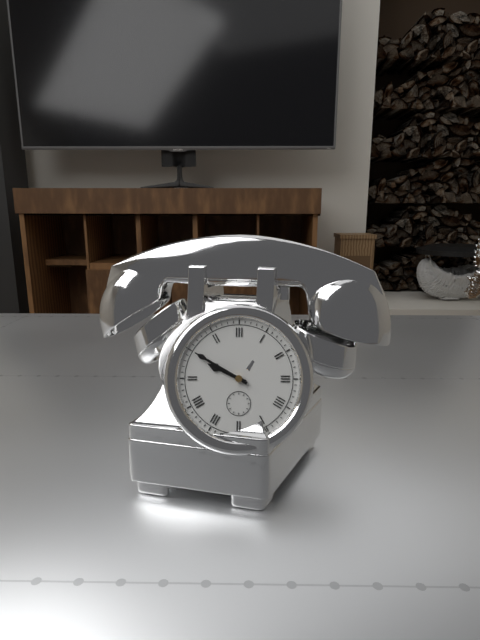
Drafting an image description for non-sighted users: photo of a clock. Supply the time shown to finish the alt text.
9:50
